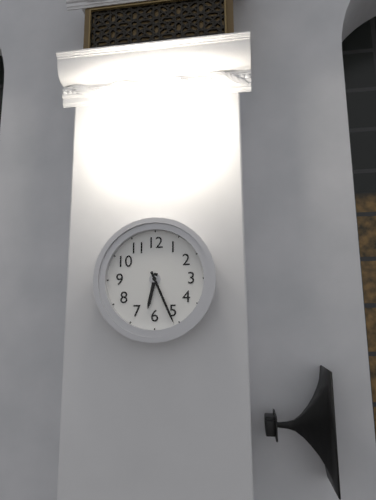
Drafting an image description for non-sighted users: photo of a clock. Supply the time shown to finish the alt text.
6:26
